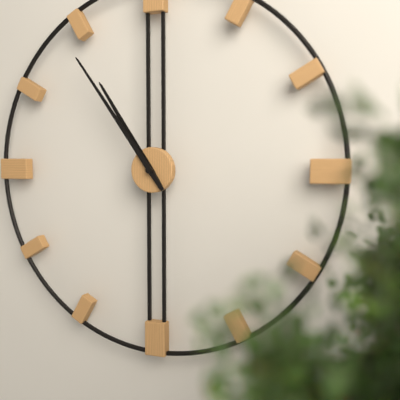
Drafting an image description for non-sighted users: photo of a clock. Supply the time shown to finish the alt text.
10:54
